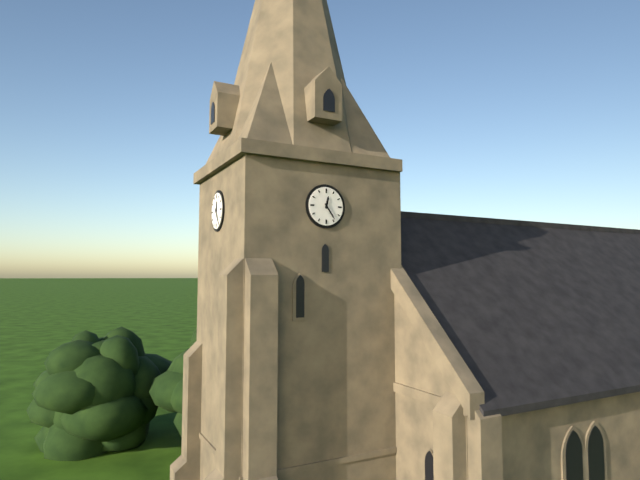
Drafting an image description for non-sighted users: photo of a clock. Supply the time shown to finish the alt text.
12:24
